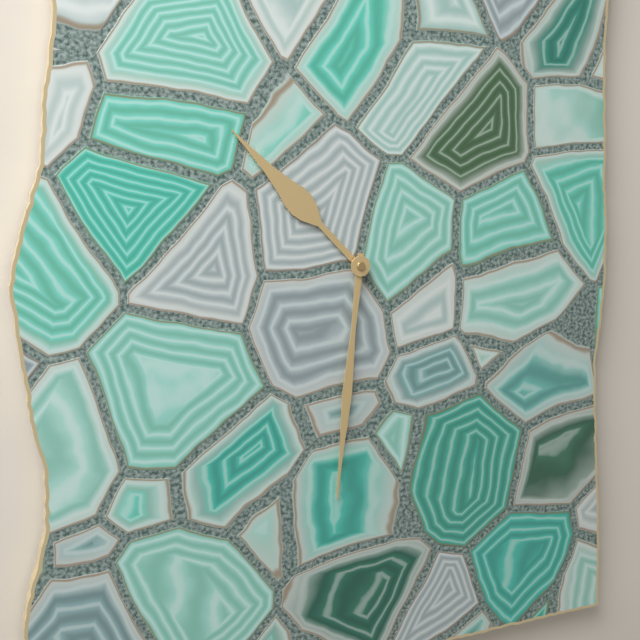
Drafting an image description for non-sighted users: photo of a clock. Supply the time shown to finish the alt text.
10:31
